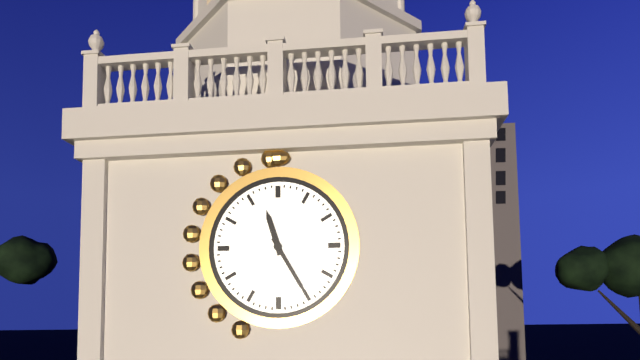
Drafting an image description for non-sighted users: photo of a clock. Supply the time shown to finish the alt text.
11:25
